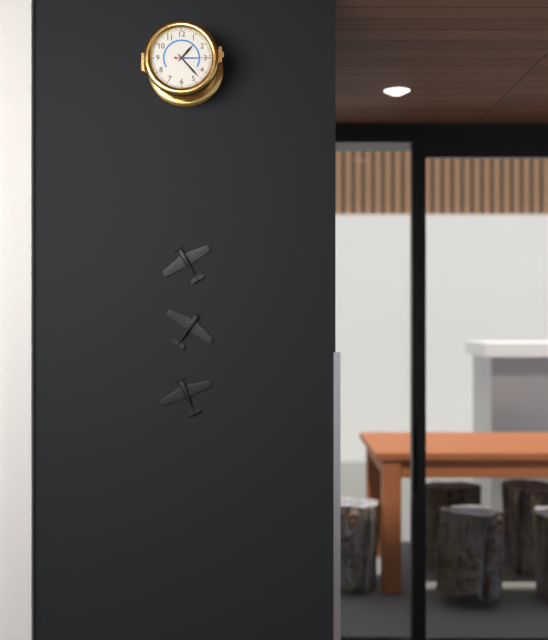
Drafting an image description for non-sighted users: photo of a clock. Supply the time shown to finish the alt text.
1:23
